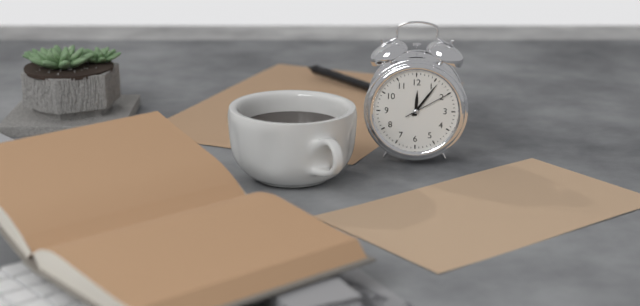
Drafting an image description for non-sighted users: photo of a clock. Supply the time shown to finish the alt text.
12:06
